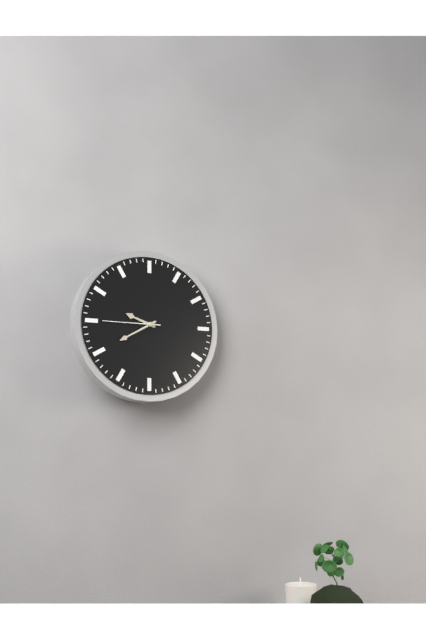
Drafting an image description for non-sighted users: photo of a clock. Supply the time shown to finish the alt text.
9:40:45
